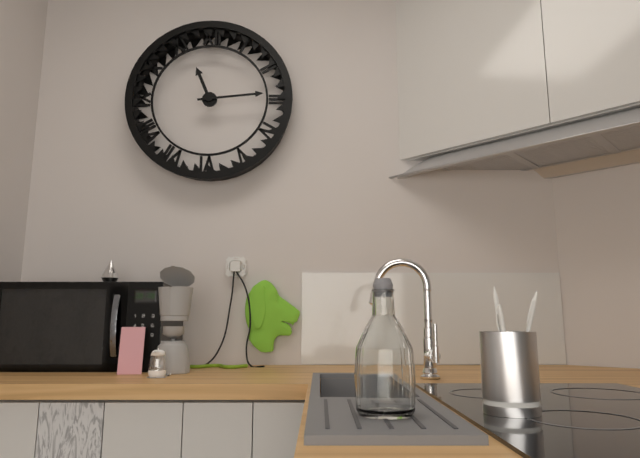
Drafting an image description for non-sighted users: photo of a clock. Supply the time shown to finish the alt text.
11:14
